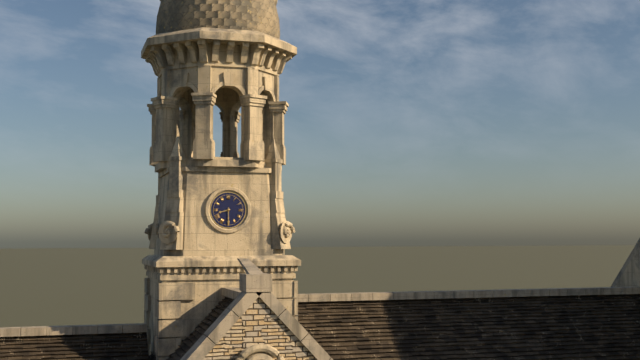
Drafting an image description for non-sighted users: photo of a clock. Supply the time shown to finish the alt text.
8:30
